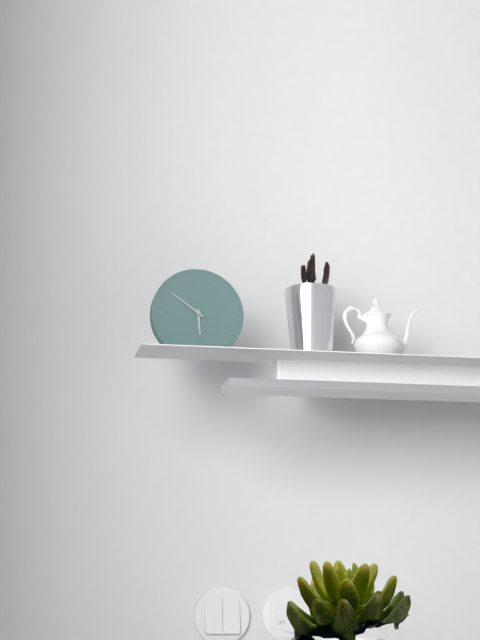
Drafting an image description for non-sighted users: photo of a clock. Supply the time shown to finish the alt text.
5:51
